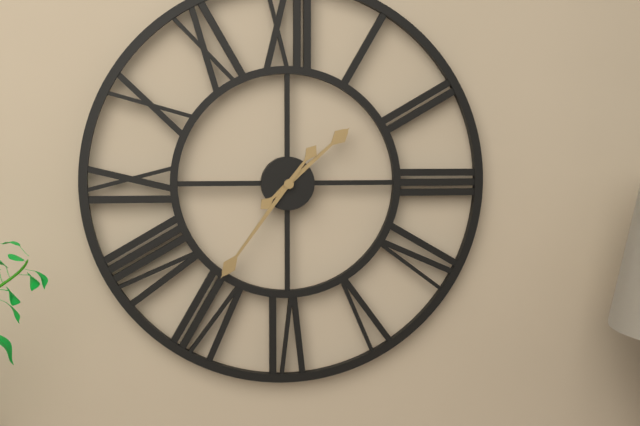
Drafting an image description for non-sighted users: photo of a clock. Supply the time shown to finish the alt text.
1:36
